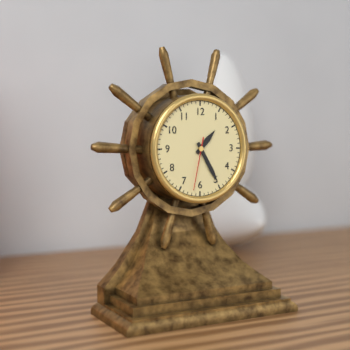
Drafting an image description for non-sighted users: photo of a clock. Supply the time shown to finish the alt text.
1:25:32
